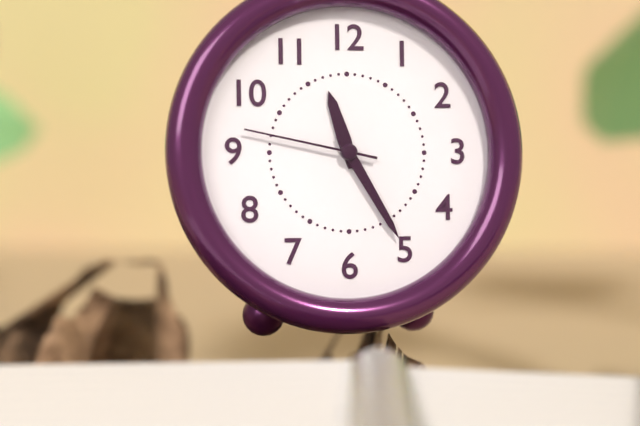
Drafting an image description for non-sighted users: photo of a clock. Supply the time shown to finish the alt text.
11:25:47
